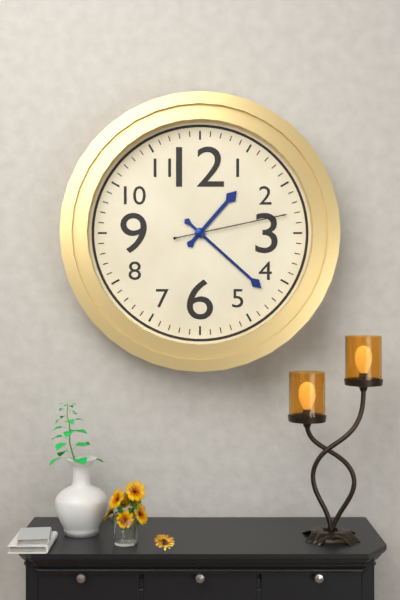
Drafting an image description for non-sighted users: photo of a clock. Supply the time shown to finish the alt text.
1:22:13
